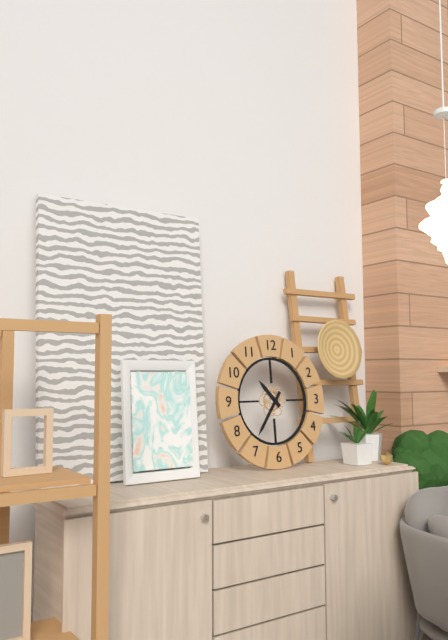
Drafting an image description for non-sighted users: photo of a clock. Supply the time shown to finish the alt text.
10:36
